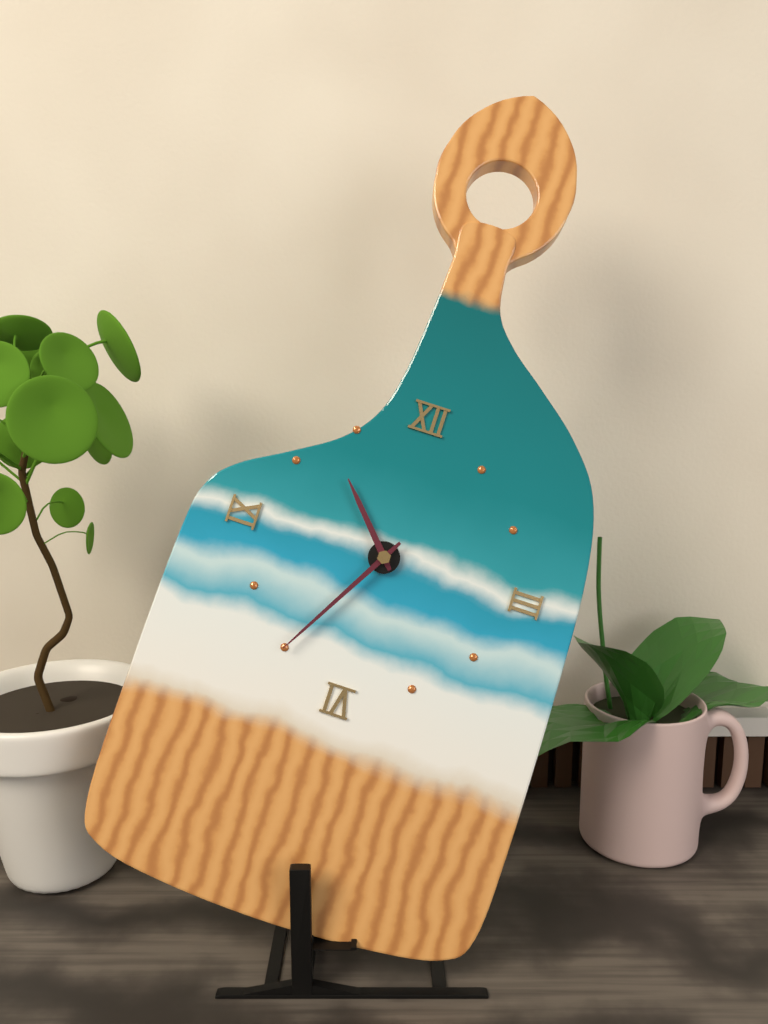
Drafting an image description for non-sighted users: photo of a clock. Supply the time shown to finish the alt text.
10:35
